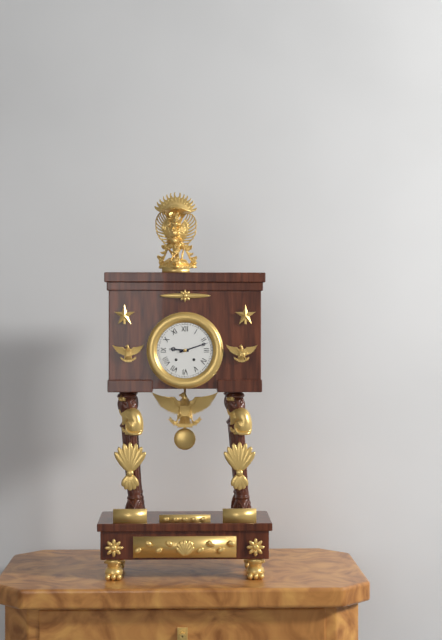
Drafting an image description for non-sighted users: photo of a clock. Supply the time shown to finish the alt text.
9:12
